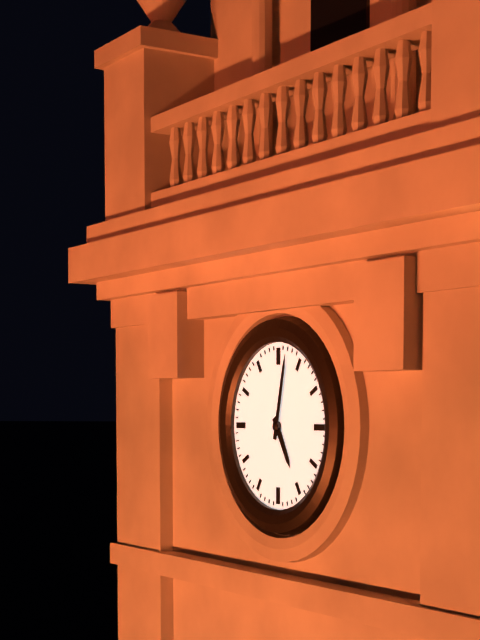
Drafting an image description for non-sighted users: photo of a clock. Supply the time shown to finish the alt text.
5:02
